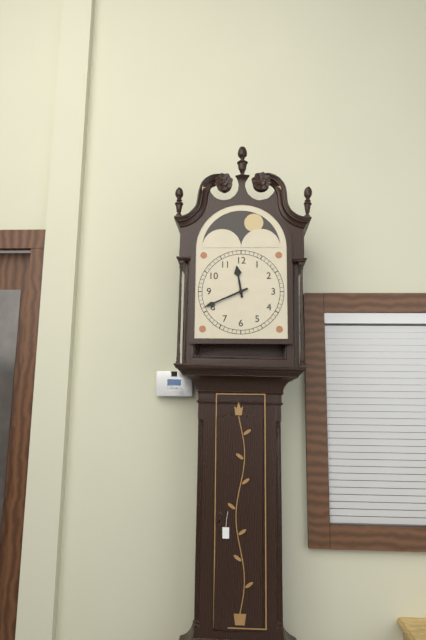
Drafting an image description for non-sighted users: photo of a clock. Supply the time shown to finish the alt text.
11:41
